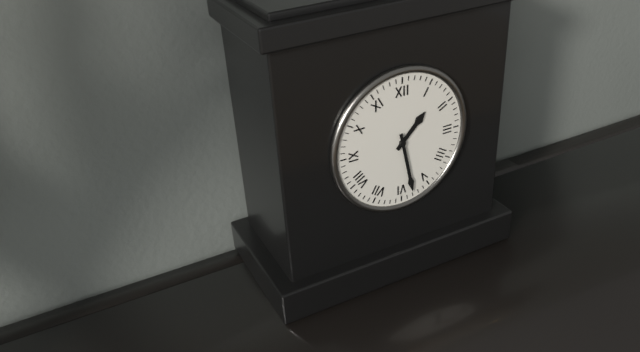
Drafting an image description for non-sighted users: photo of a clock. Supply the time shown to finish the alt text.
1:28
